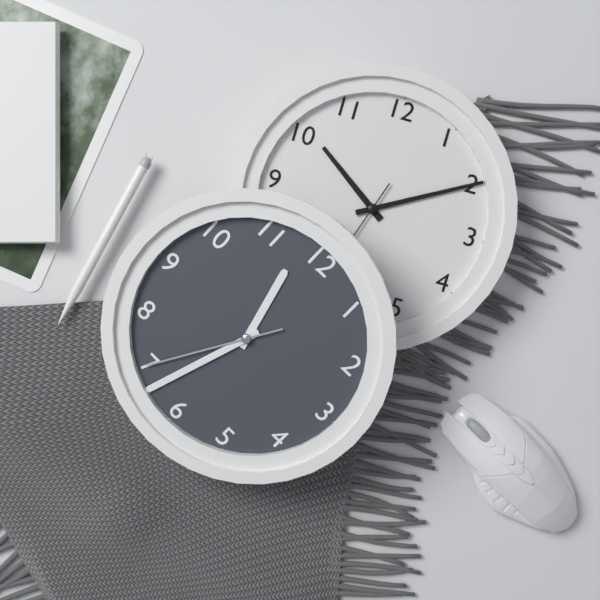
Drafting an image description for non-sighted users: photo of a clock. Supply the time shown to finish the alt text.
11:33:35
